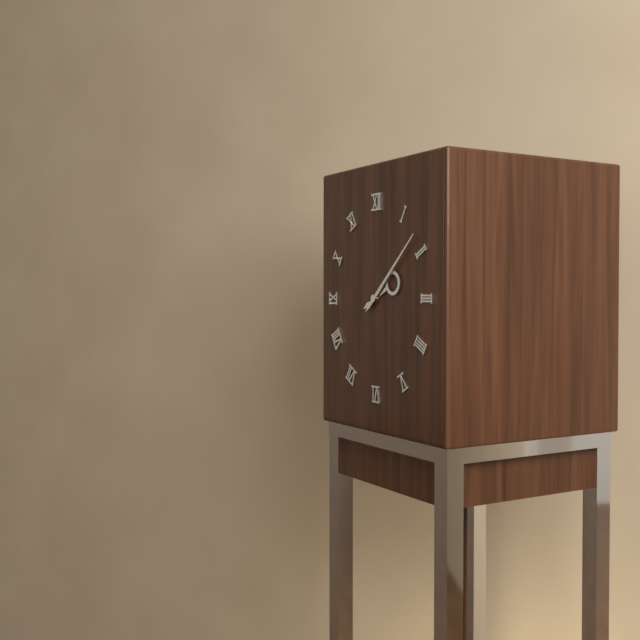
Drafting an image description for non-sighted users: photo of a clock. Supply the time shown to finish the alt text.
2:08
